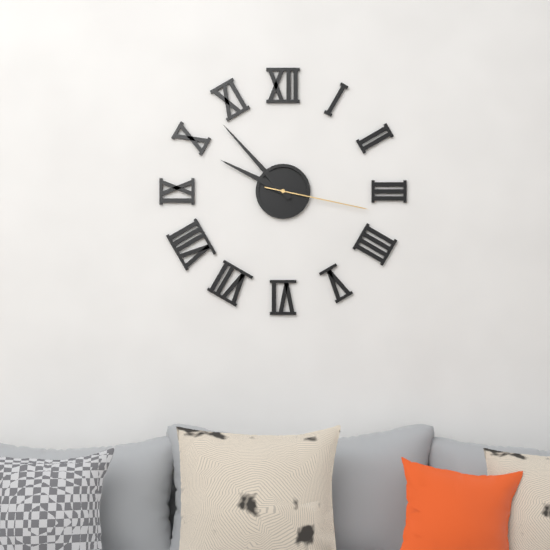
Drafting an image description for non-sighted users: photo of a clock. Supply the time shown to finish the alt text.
9:53:17
